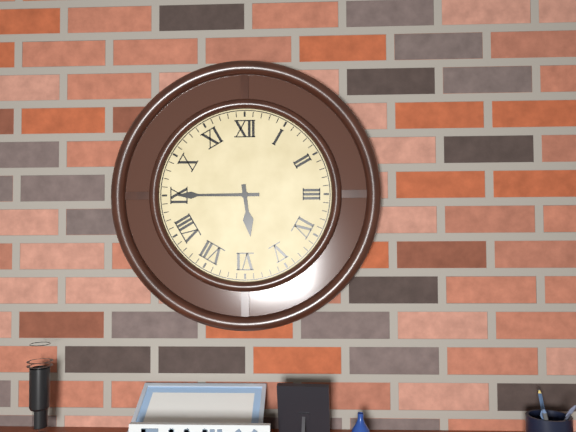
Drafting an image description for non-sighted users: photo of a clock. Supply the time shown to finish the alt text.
5:45
